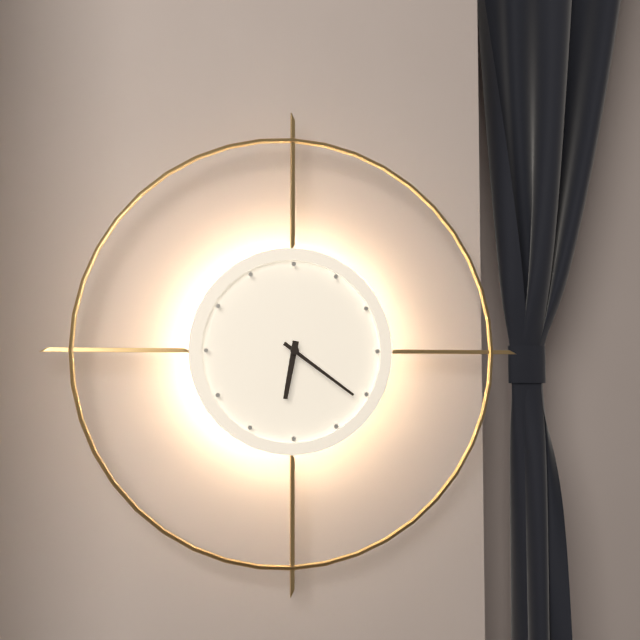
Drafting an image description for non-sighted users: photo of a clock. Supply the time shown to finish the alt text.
6:21
